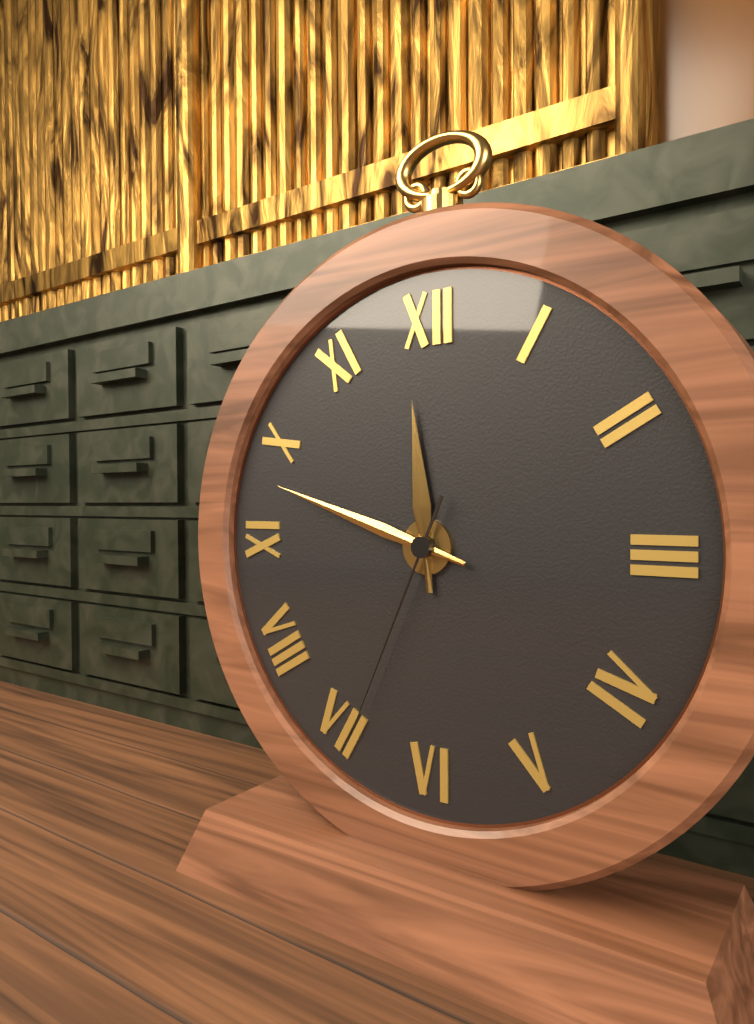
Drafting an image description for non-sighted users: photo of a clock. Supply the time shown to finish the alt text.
11:48:34
